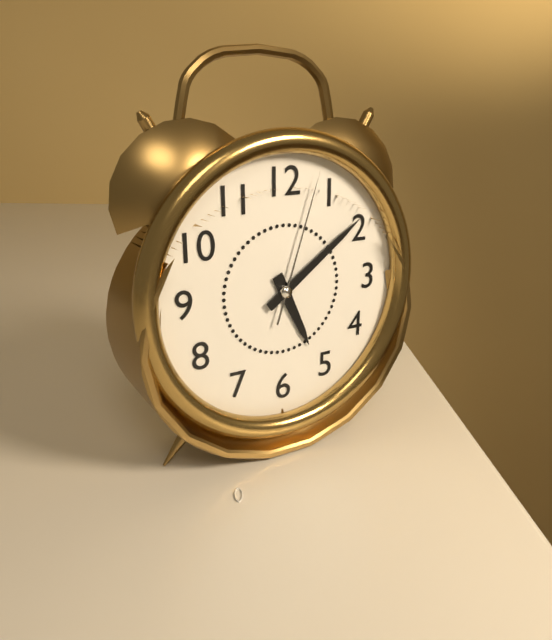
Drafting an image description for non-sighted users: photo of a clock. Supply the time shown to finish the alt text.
5:09:03
